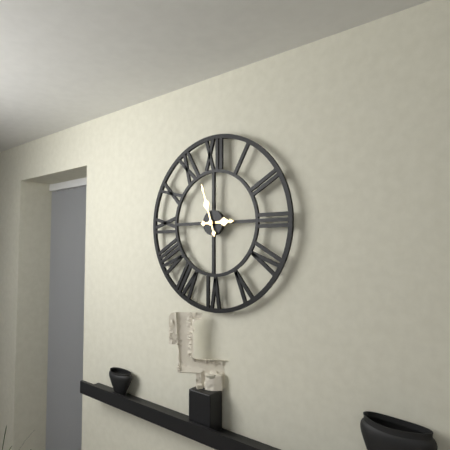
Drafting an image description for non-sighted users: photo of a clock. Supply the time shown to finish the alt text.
2:57
